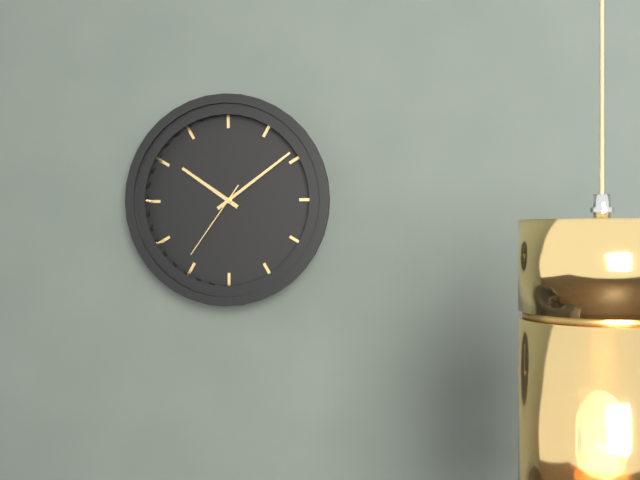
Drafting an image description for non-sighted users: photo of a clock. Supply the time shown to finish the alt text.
10:09:36
